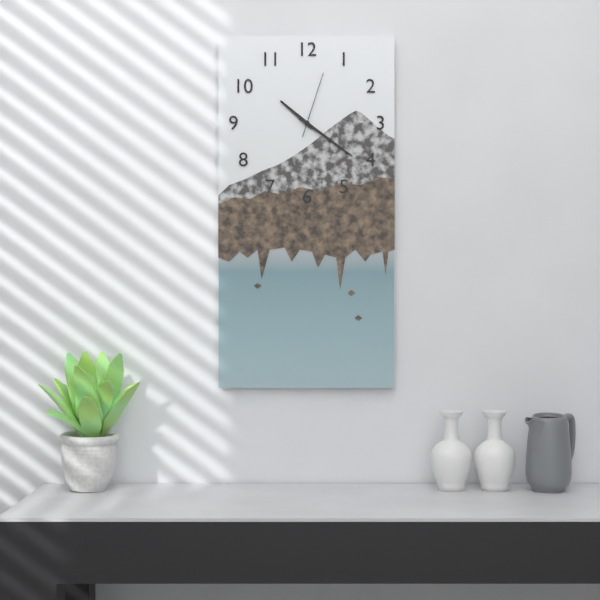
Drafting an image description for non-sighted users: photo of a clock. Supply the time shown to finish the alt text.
10:21:03
